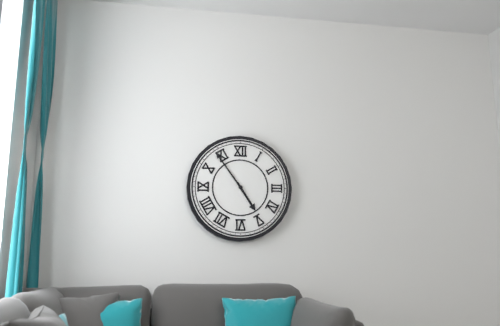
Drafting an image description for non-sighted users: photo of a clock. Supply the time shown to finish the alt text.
4:54
